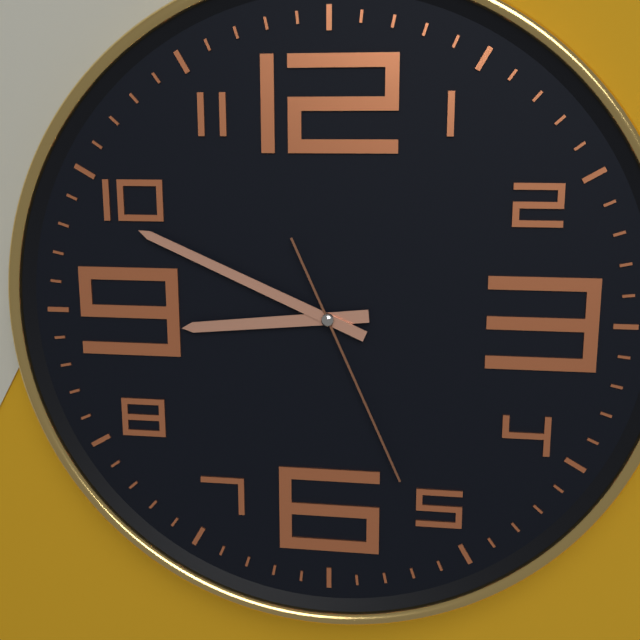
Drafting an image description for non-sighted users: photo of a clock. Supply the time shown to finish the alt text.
8:49:26
